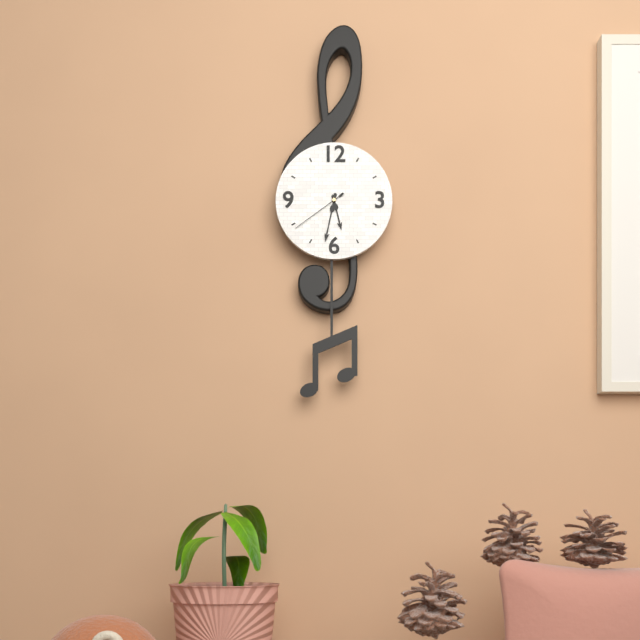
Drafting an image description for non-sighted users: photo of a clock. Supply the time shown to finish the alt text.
5:32:39
